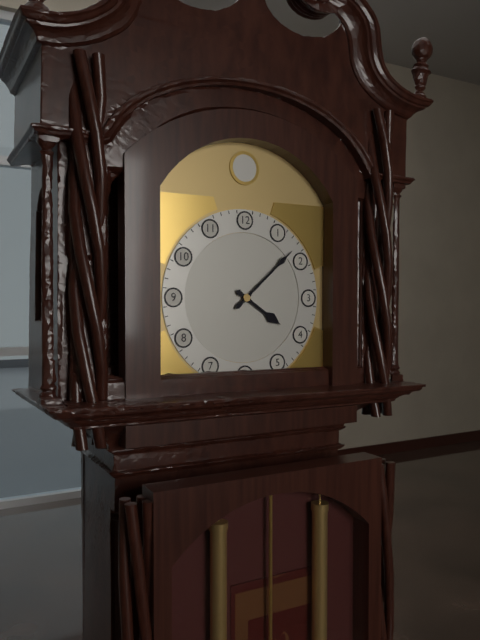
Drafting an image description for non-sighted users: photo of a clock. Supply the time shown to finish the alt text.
4:08
